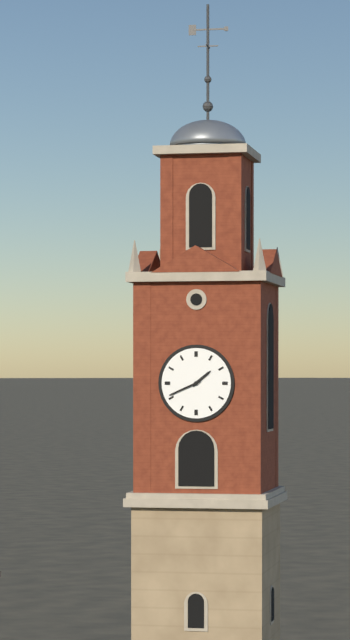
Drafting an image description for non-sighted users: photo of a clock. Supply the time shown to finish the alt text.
1:41
